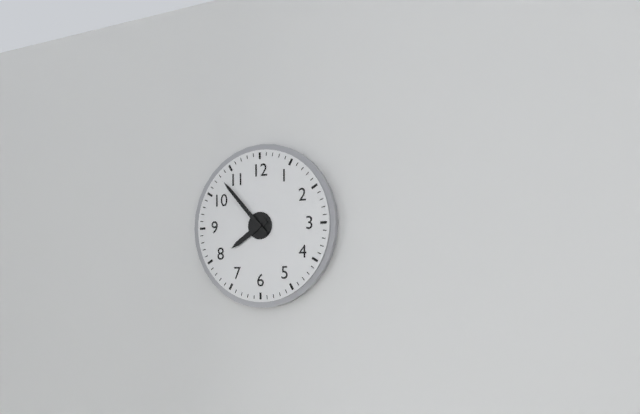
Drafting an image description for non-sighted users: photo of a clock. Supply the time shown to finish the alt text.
7:53
